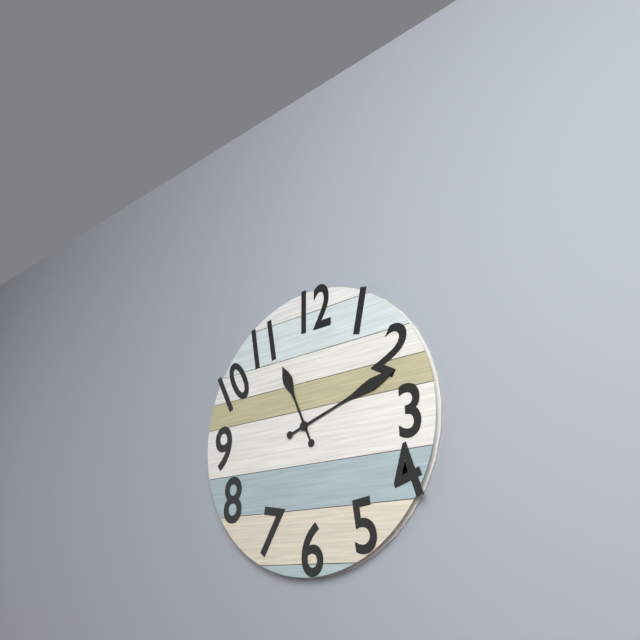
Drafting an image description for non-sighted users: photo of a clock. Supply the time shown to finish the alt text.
11:12
